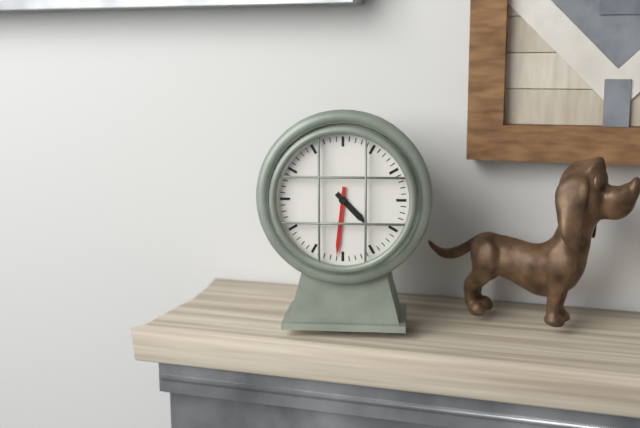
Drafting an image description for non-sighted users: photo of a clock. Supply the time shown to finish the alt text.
4:31
